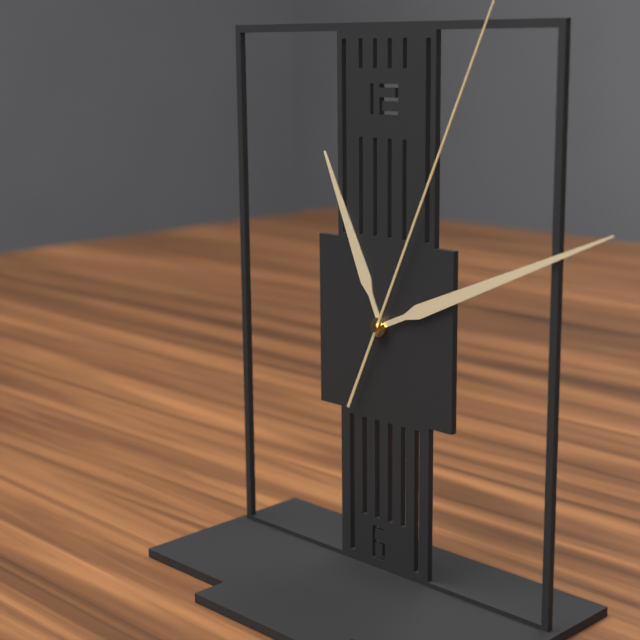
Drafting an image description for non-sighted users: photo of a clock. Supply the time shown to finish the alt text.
11:11:04
